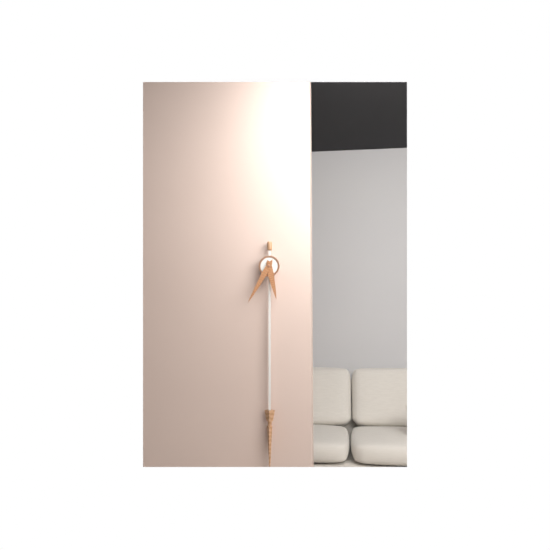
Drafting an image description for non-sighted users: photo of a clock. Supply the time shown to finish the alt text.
5:35
